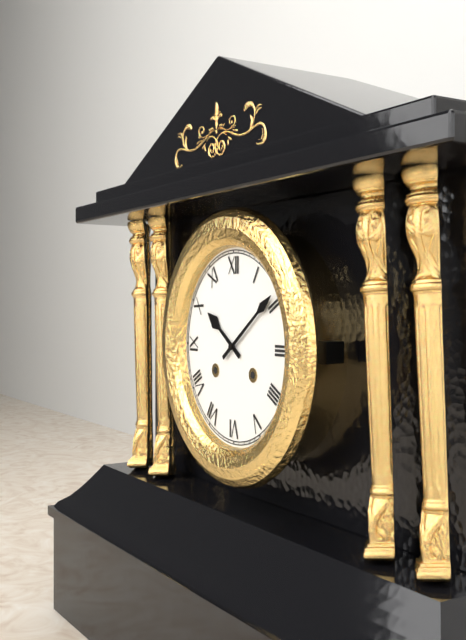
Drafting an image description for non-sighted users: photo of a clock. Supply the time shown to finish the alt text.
10:09
